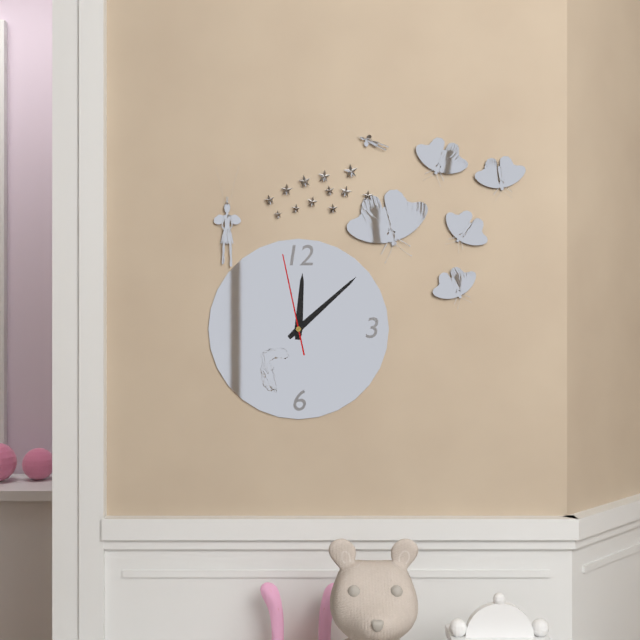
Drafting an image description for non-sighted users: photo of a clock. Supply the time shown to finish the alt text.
12:08:58
